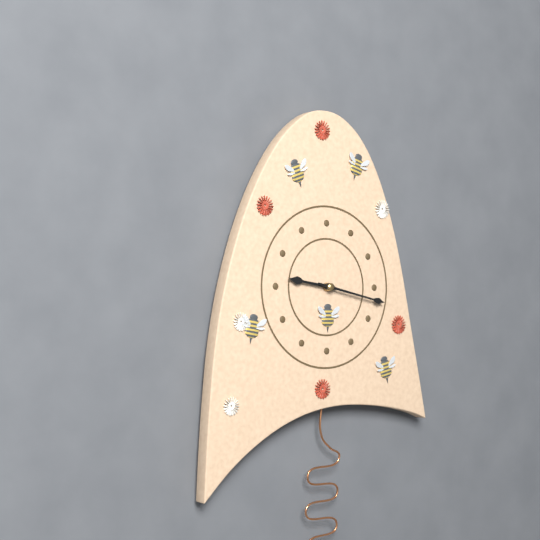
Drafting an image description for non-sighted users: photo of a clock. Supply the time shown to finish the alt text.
9:17
